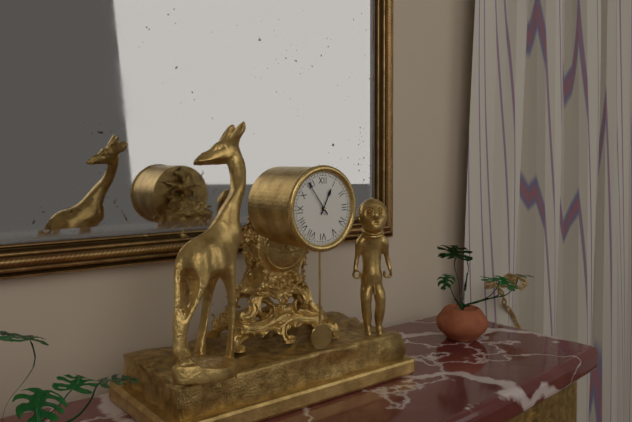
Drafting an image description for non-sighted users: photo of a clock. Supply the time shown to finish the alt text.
12:54
